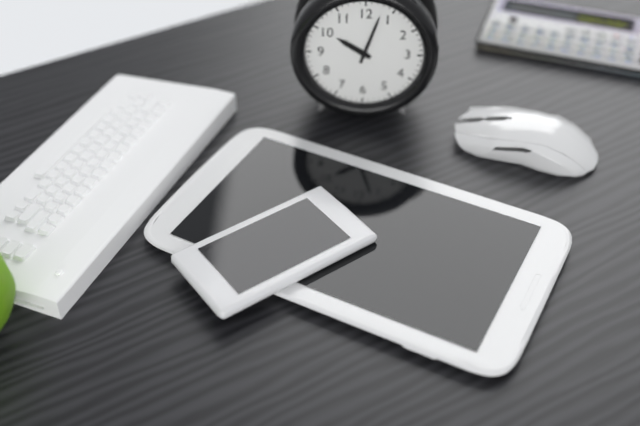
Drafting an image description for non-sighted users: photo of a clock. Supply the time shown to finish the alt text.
10:03
